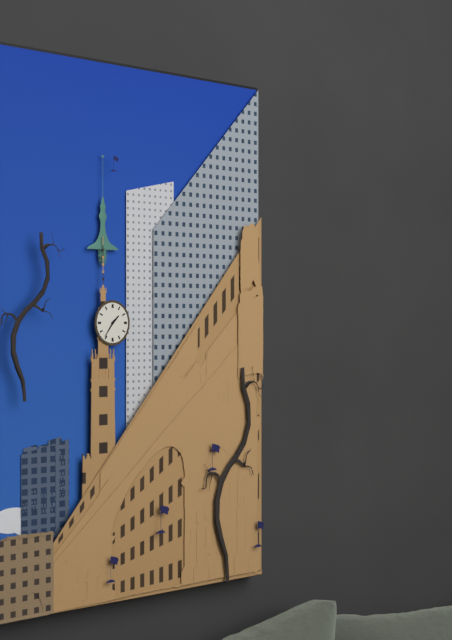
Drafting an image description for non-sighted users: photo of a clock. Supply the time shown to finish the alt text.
1:36
